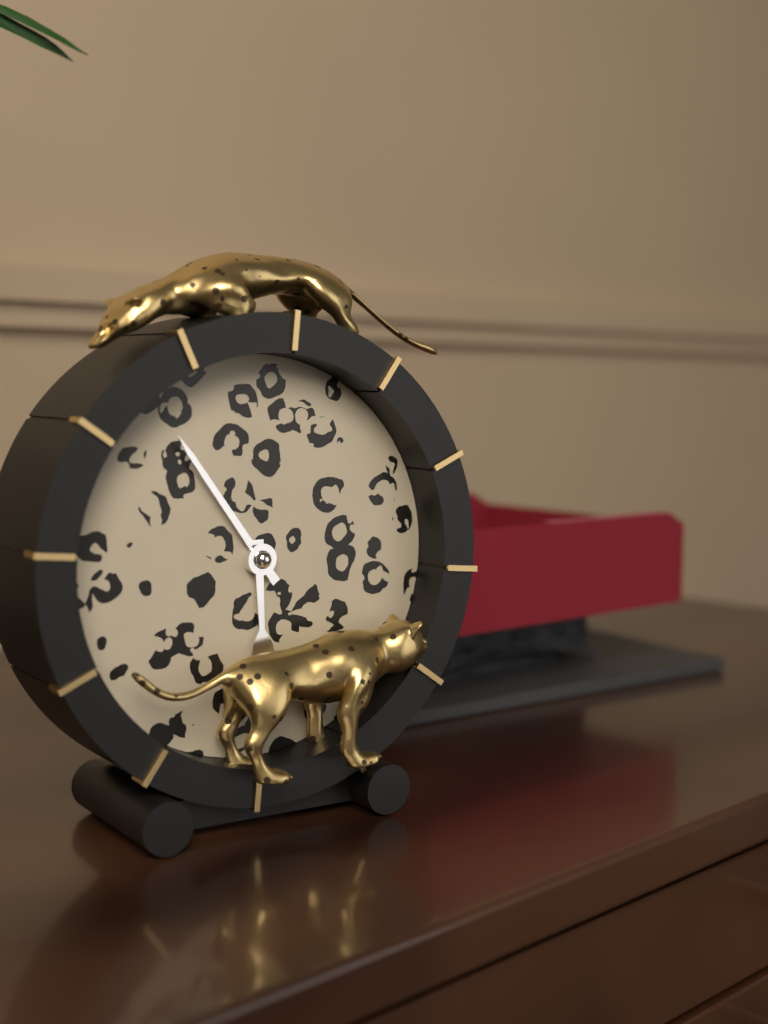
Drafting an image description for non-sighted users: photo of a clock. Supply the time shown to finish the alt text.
5:54
